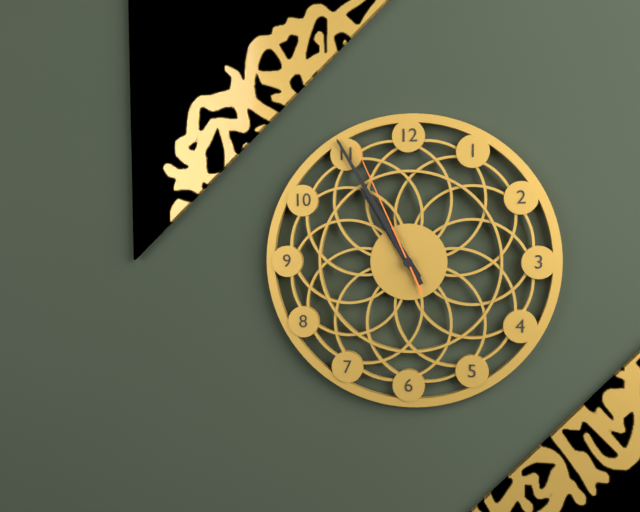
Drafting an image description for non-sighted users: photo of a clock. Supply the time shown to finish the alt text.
10:55:56
